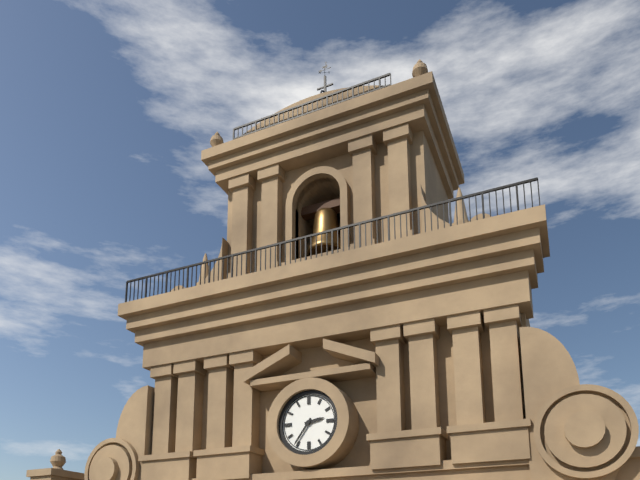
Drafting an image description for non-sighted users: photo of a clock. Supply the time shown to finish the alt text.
2:36
